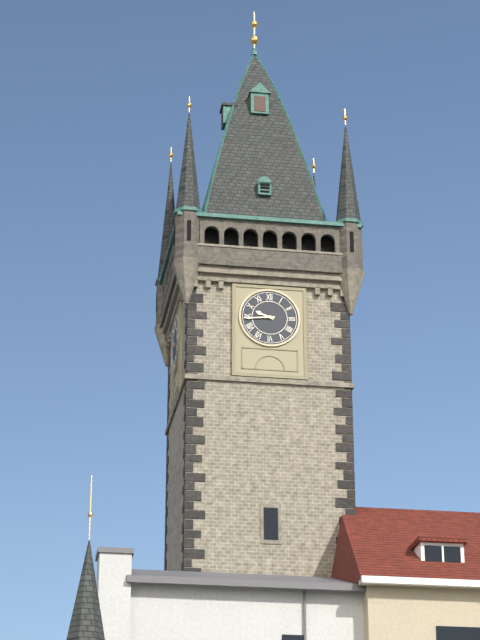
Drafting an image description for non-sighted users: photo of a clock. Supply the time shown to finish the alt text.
9:44
